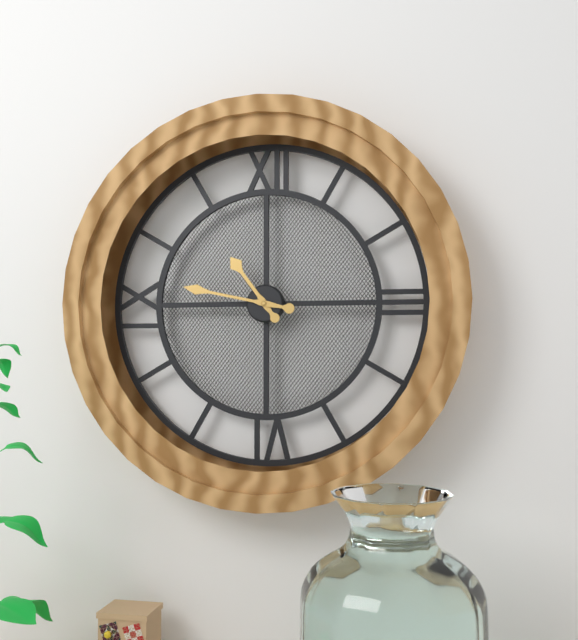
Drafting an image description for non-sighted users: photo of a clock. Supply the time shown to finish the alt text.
10:47
